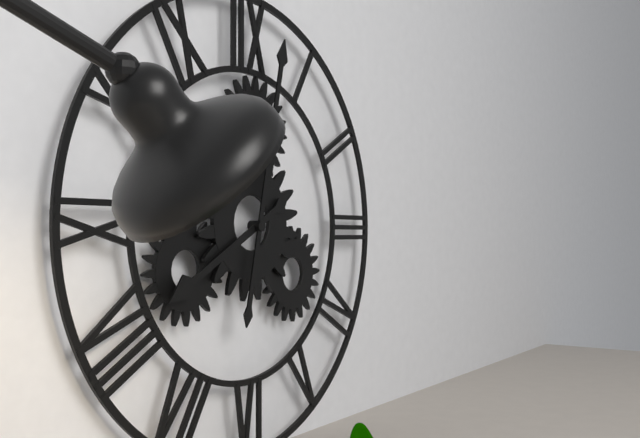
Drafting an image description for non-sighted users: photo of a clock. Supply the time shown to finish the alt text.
8:02
